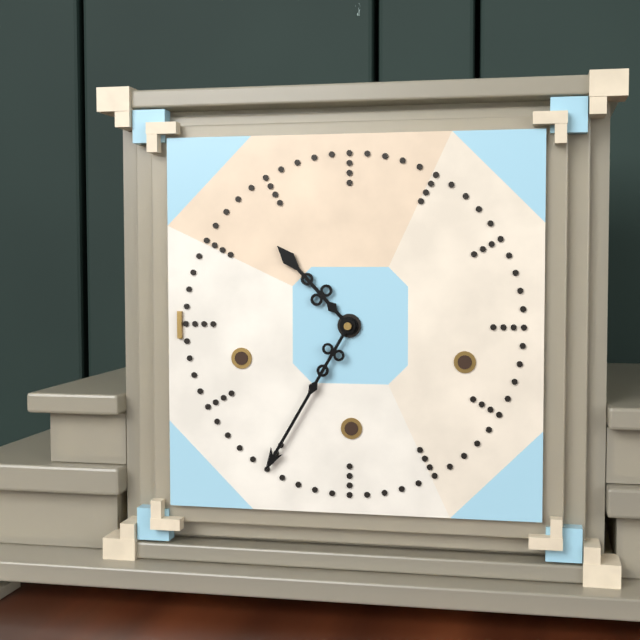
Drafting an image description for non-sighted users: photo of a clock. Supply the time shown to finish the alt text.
10:35
